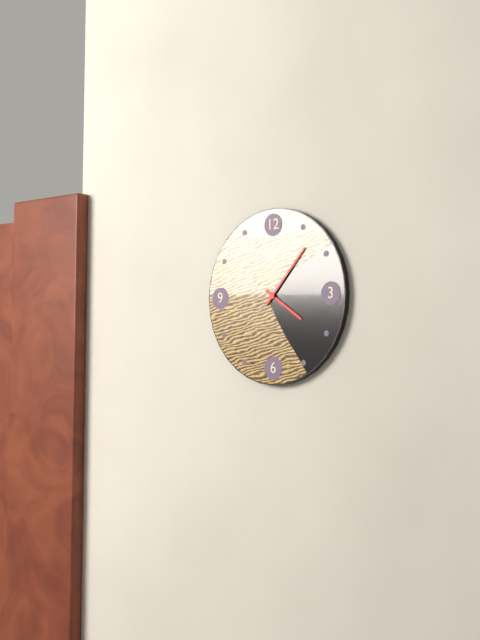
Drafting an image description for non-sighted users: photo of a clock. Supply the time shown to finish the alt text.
4:07
